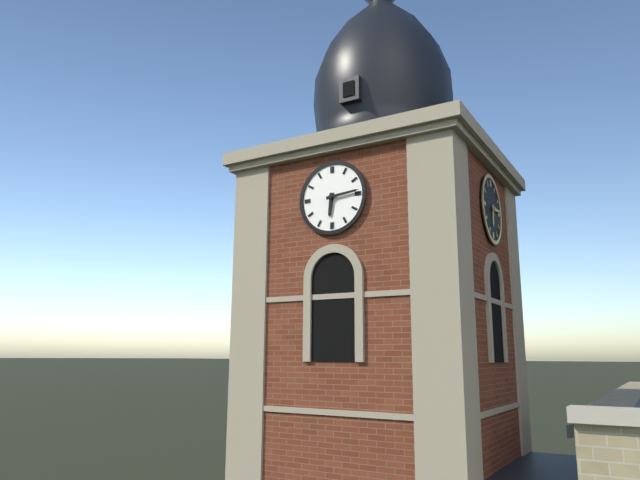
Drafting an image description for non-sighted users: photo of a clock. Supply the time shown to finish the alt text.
6:14
